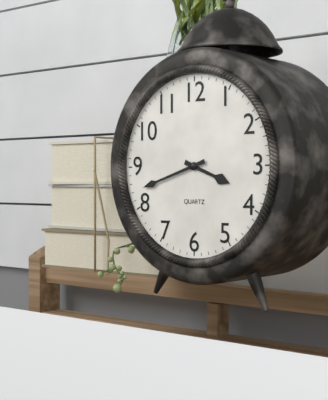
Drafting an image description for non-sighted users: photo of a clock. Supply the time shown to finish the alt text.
3:42
